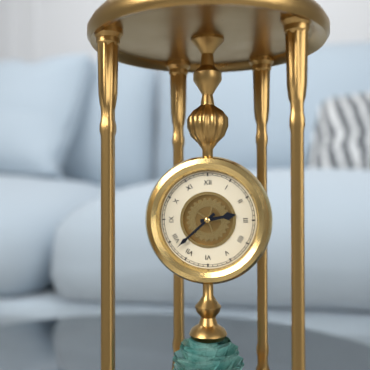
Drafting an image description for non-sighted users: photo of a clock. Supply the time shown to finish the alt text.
2:38
